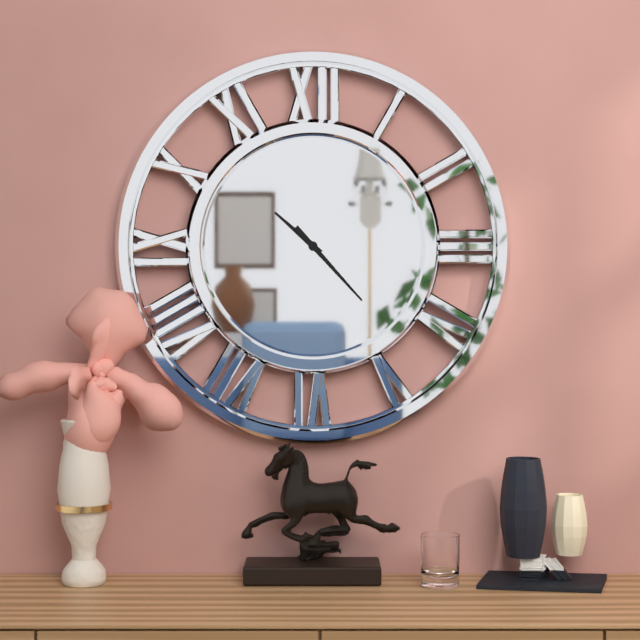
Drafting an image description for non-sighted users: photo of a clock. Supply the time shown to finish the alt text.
10:23
